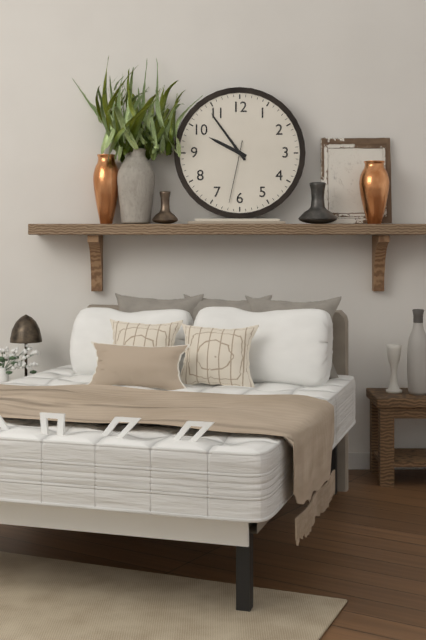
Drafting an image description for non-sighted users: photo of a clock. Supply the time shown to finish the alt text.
9:54:32
